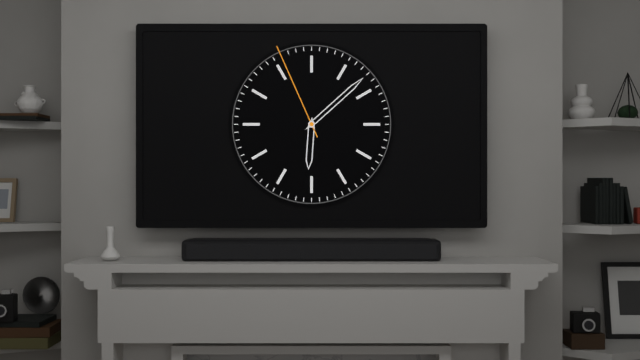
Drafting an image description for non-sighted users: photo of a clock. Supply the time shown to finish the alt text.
6:08:56
